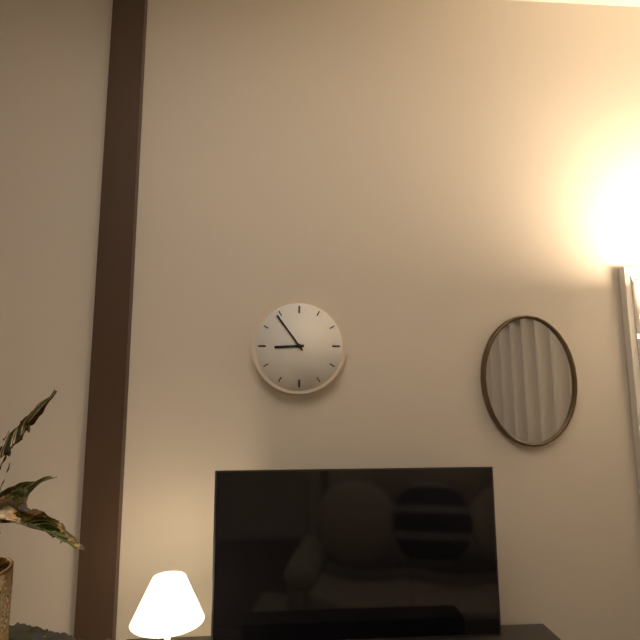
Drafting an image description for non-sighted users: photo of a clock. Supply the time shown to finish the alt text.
8:54
